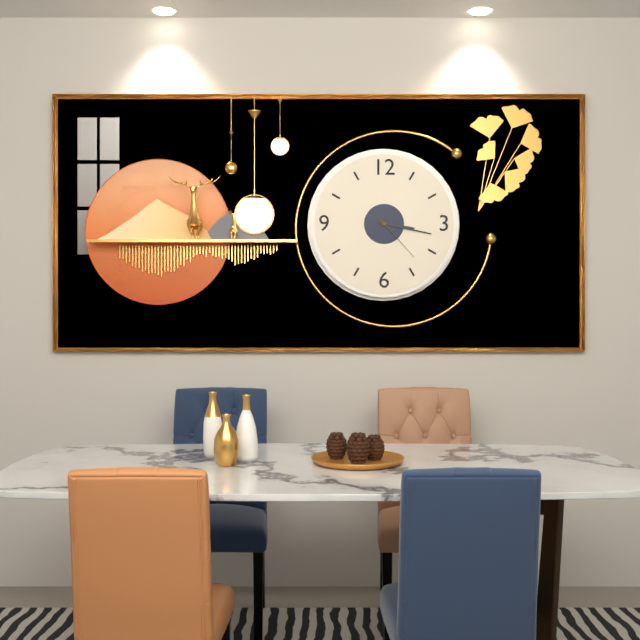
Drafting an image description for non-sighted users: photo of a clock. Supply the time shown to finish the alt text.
3:17:23
